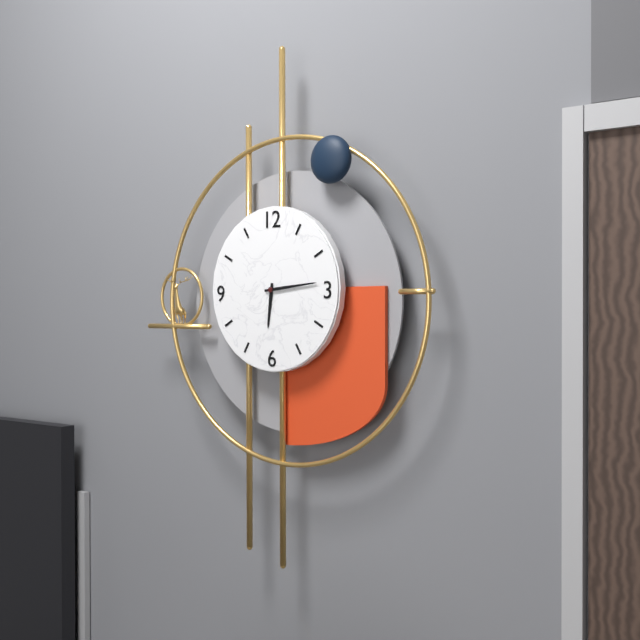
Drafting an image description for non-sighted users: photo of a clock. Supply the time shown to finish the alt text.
6:14
